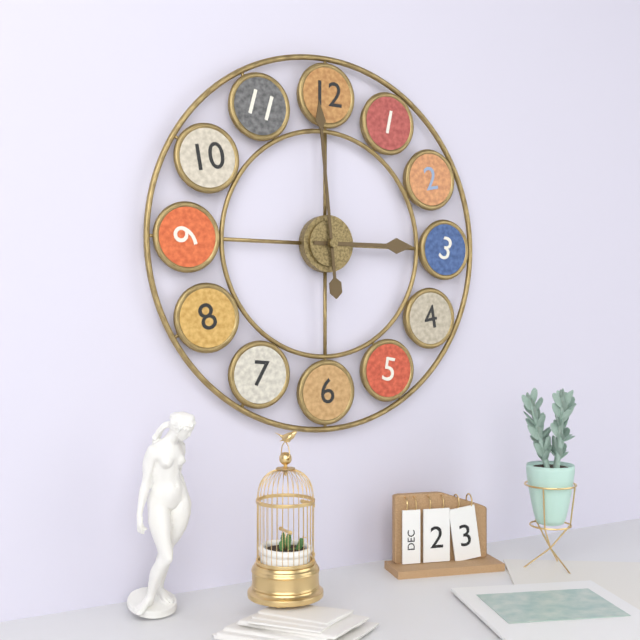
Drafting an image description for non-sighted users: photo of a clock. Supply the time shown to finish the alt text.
2:59
